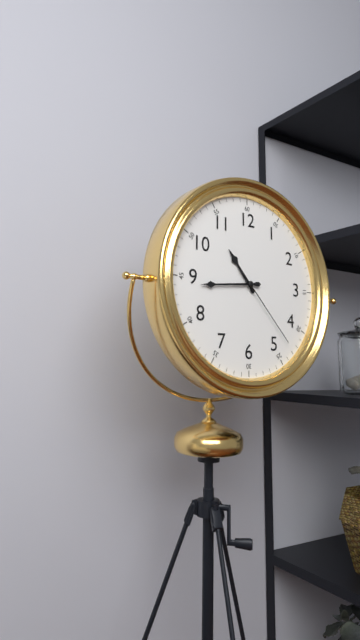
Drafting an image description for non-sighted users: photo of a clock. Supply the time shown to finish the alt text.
10:44:23
